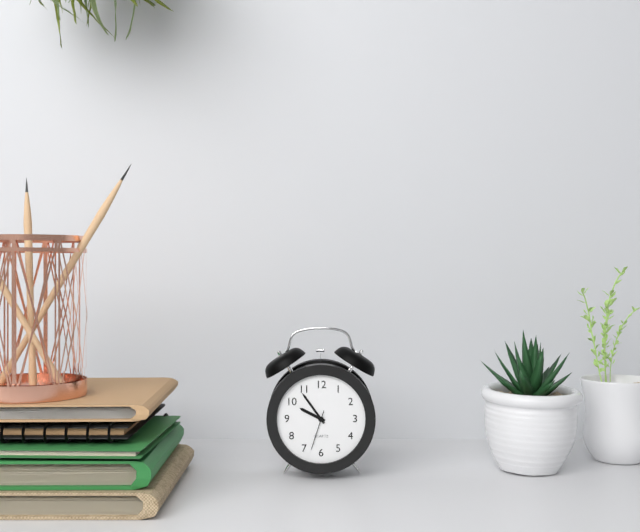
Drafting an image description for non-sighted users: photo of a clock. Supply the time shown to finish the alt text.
9:54
